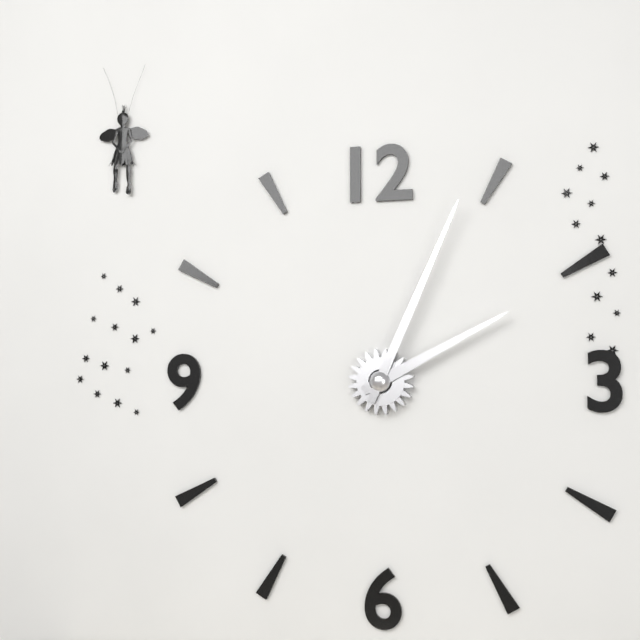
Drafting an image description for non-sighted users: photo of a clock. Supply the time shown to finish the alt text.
2:04
